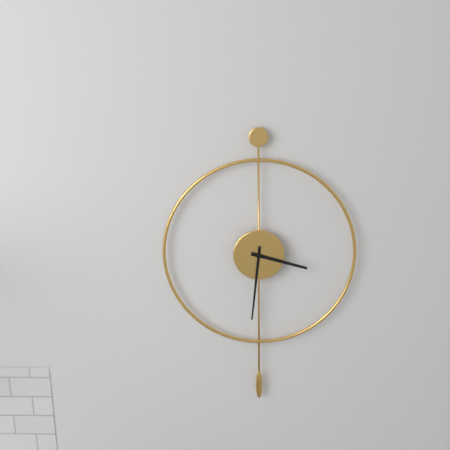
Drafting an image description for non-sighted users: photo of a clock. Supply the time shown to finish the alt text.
3:31
